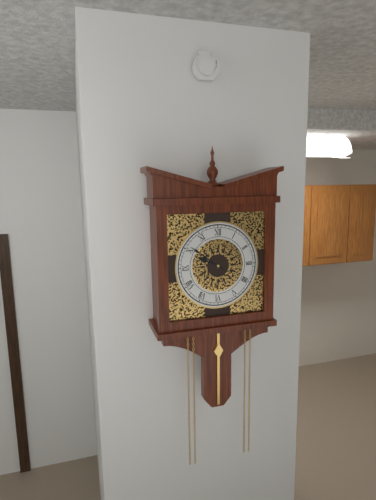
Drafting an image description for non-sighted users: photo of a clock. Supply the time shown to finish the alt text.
9:51
